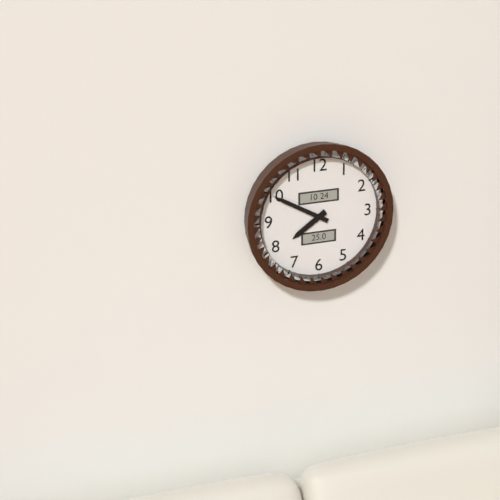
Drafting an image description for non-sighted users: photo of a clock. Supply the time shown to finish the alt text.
7:50
